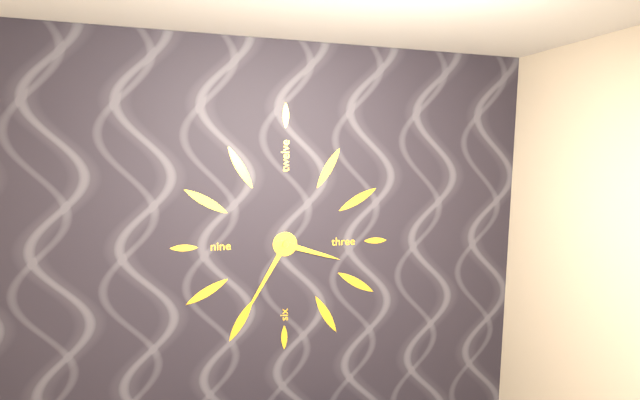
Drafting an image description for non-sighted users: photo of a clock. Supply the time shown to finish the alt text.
3:35
